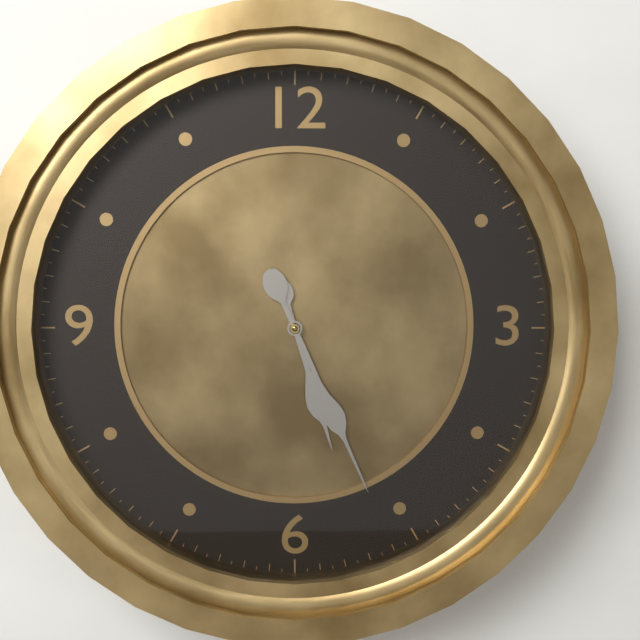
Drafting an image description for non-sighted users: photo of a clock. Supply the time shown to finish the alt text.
5:26
